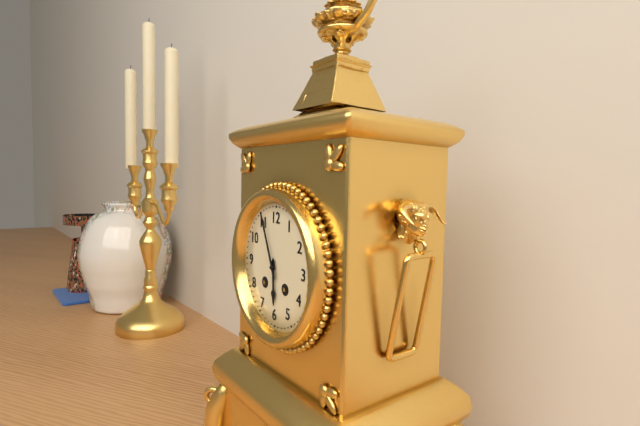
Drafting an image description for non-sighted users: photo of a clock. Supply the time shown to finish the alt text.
5:56
